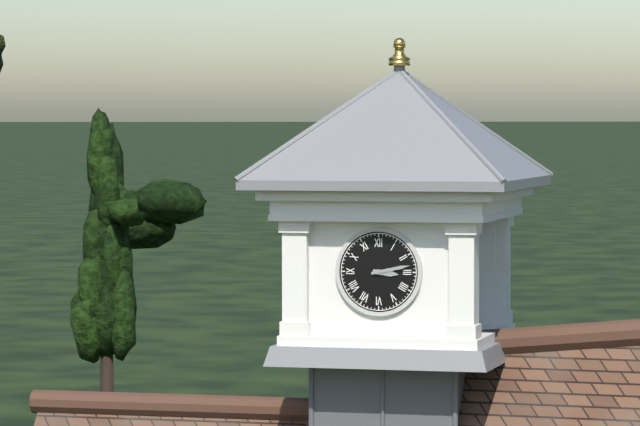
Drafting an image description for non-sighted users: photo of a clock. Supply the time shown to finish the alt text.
3:13
